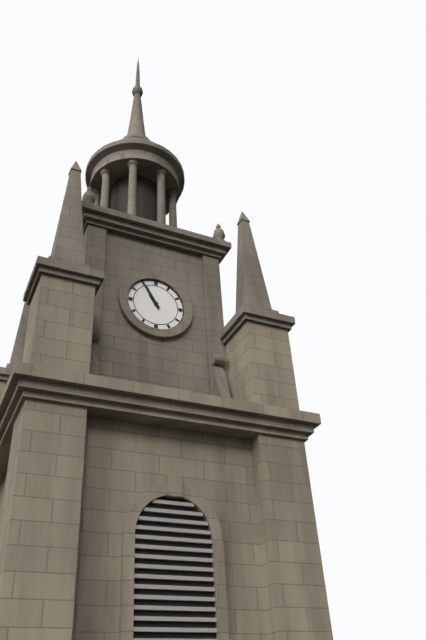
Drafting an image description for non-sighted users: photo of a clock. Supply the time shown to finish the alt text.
10:55
